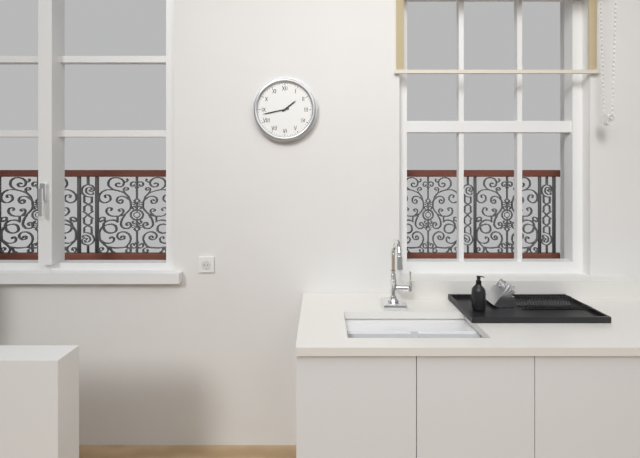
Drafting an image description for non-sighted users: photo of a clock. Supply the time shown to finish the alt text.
1:43
